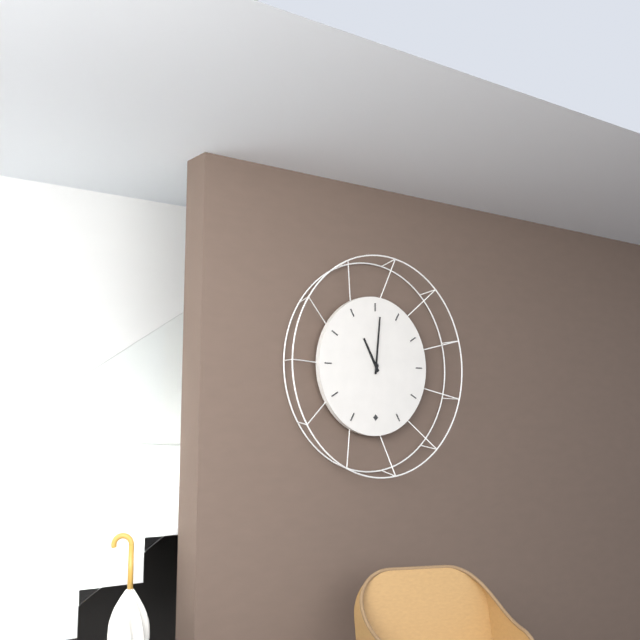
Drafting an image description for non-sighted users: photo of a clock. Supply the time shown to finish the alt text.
11:01
